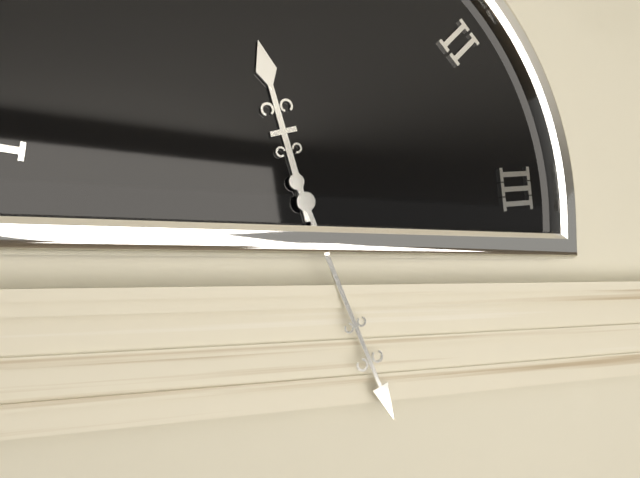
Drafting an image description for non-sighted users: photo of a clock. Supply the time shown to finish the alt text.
11:26
